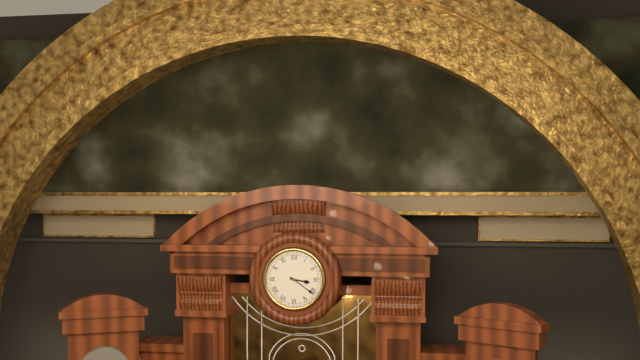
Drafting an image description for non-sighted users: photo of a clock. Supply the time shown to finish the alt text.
3:21
